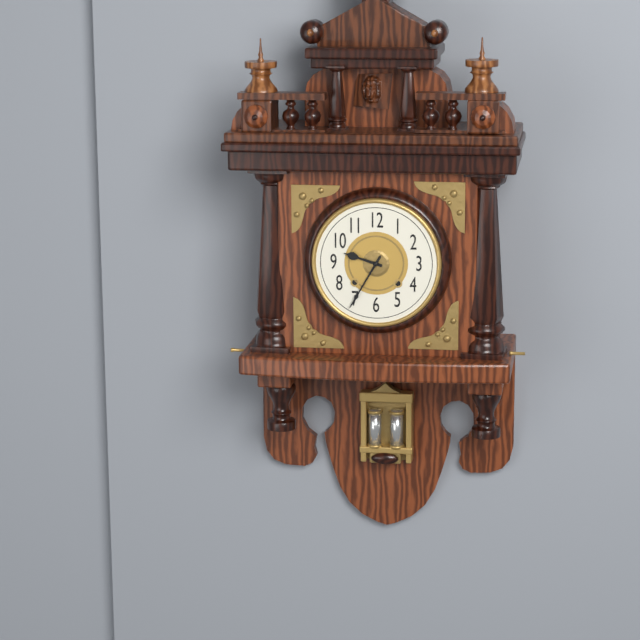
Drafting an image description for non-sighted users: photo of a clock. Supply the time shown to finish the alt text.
9:35
